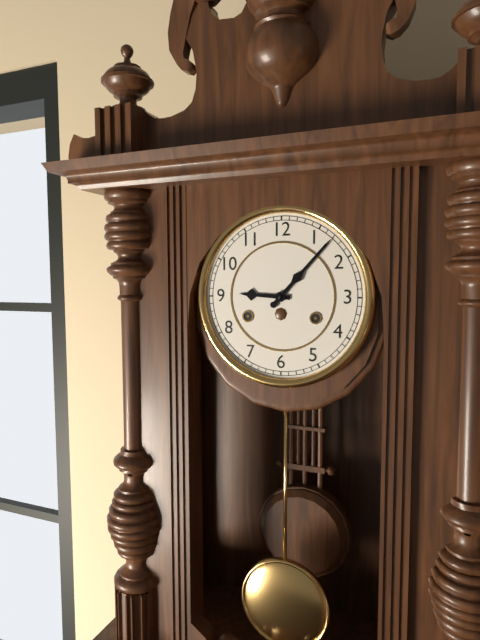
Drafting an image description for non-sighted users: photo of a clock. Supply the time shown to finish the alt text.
9:07
